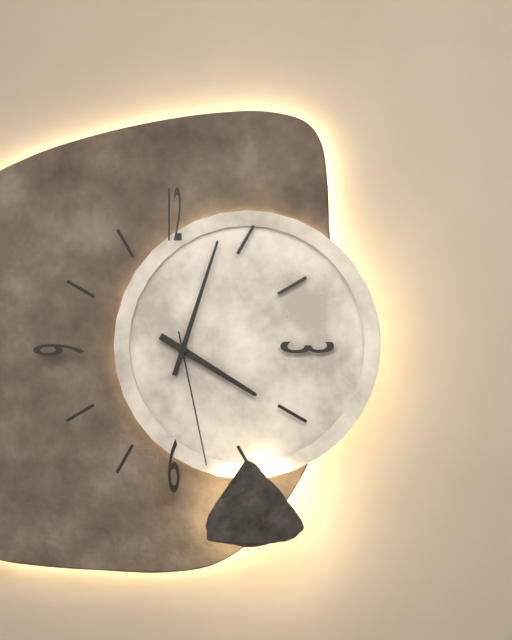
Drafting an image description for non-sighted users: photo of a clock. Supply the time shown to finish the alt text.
4:03:28
